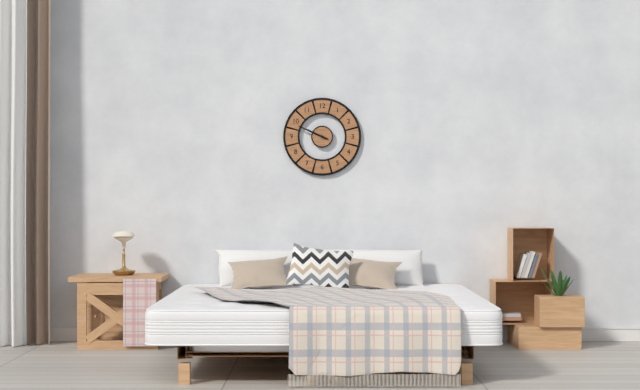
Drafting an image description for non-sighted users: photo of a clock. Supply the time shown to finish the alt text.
9:49
